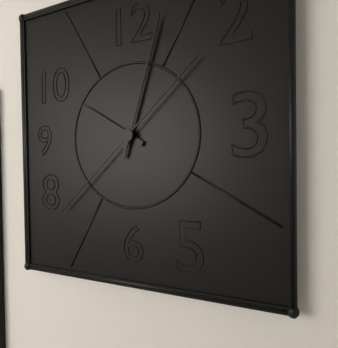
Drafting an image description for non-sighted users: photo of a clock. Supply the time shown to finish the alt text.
10:03:38
